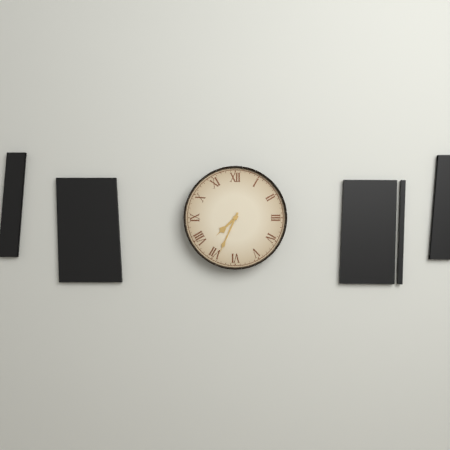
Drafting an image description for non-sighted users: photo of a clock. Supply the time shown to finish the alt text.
7:34
